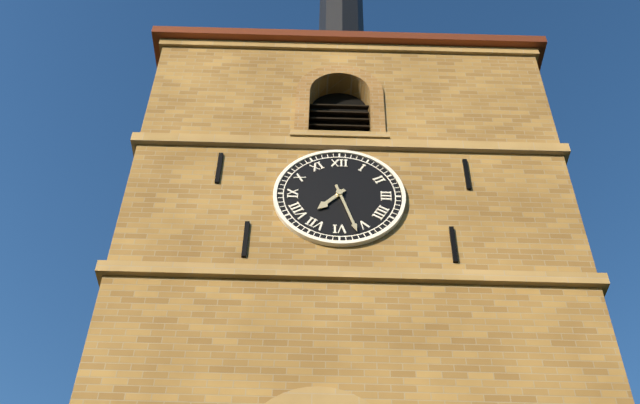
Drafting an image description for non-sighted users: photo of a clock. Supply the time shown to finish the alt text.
7:27
